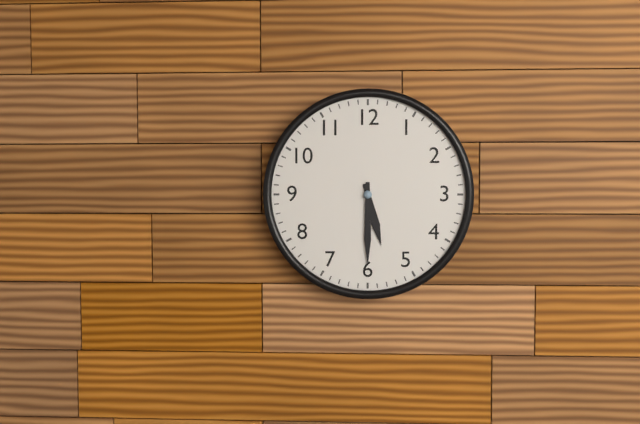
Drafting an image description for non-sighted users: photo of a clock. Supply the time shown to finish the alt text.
5:30
